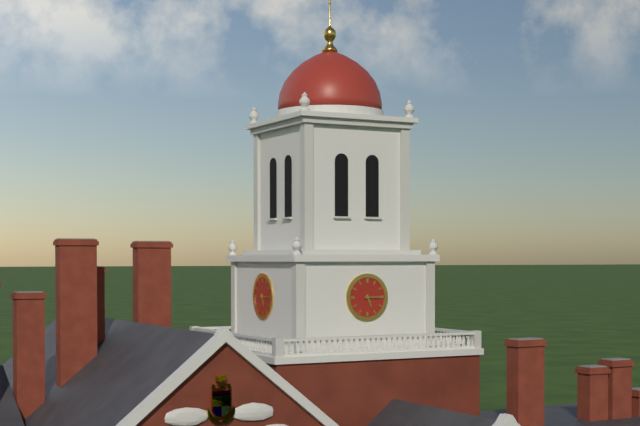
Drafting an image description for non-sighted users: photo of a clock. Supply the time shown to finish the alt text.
5:15
